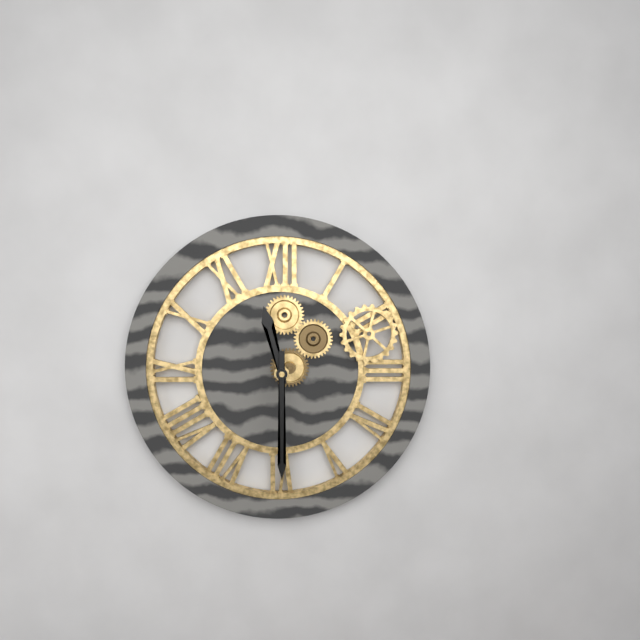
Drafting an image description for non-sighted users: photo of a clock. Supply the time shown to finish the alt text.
11:30
